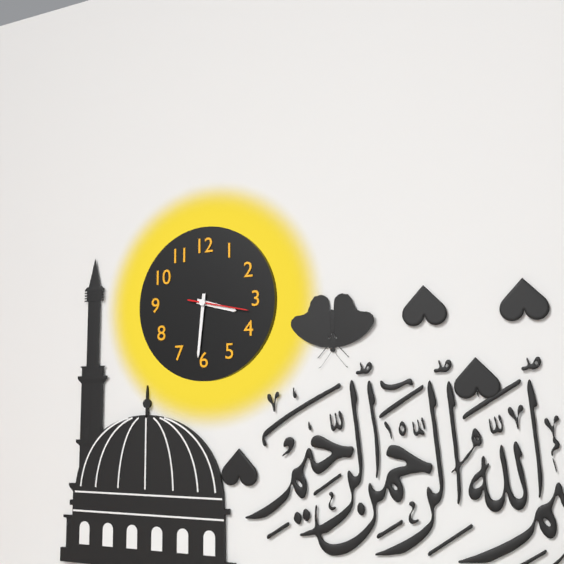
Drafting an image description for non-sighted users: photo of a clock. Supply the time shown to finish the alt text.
3:31:17
